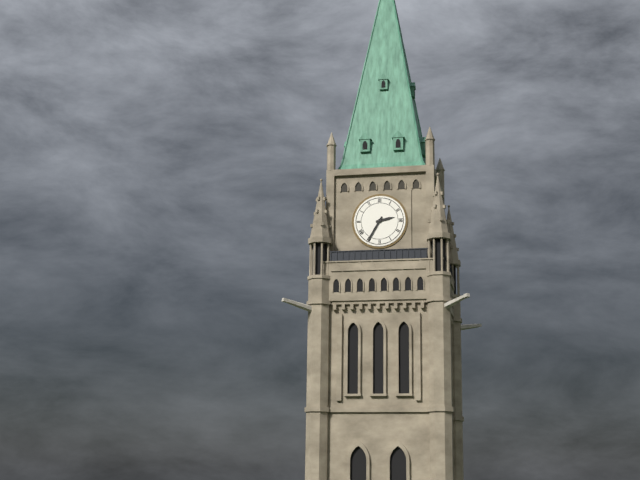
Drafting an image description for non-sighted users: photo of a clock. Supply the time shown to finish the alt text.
2:35
